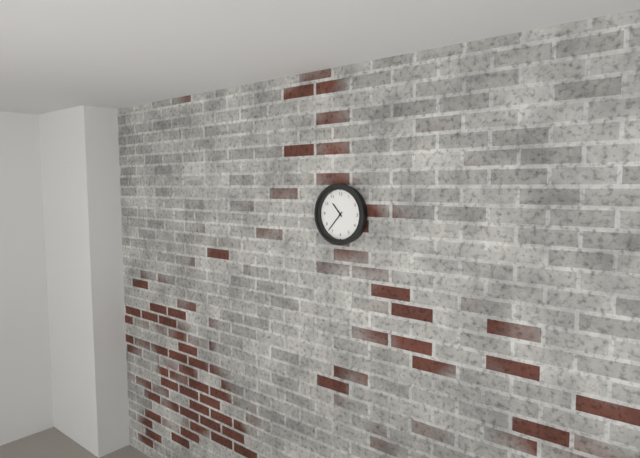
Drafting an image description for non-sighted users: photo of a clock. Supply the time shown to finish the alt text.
10:37
